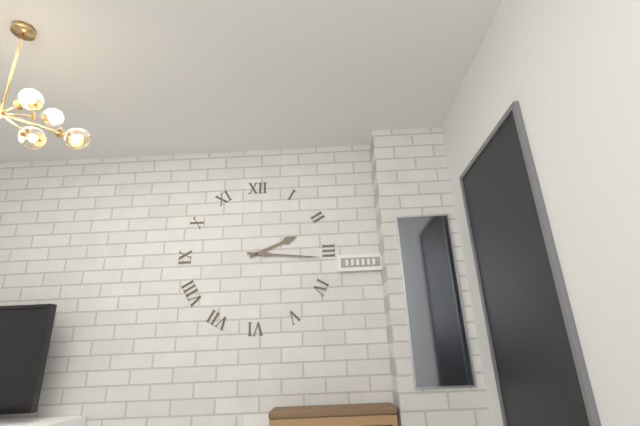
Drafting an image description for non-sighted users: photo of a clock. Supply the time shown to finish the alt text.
2:16
